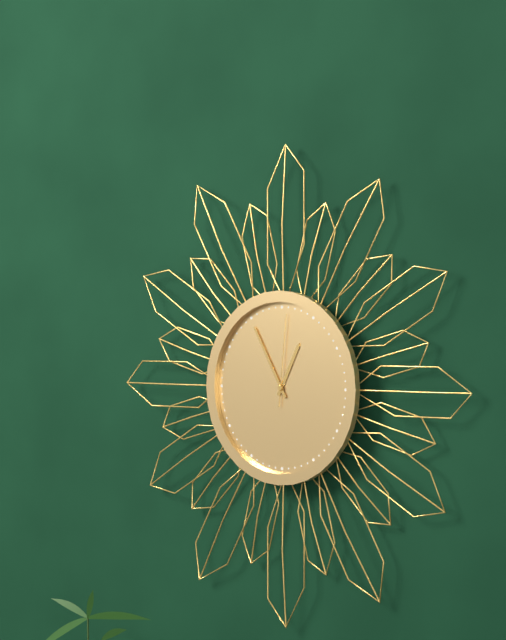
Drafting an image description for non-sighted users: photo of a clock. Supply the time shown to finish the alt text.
12:55:01
